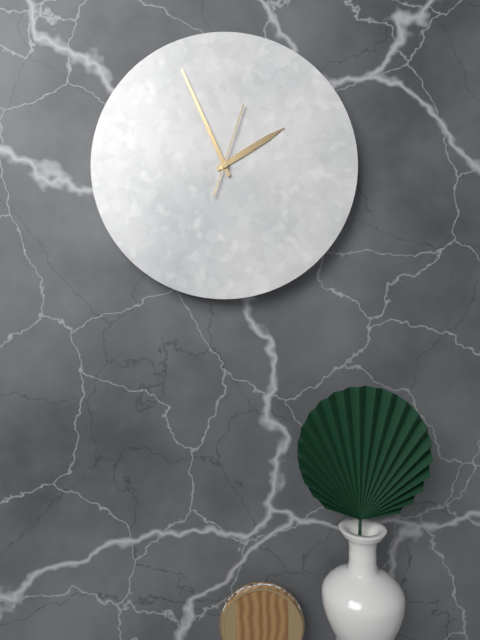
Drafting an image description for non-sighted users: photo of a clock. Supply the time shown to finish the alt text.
1:56:03
